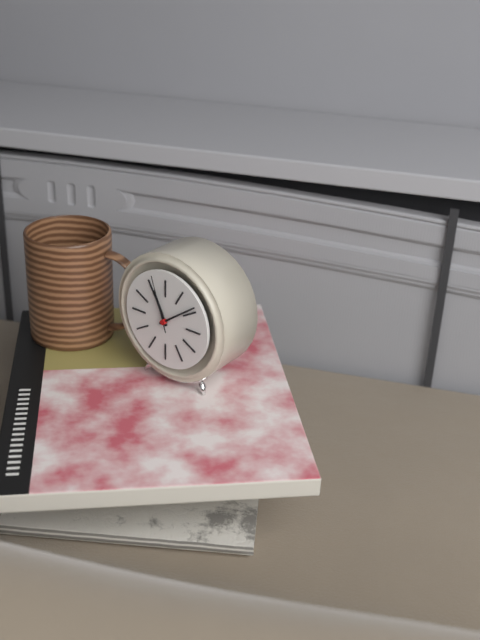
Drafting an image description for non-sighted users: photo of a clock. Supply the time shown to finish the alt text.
11:09:57
